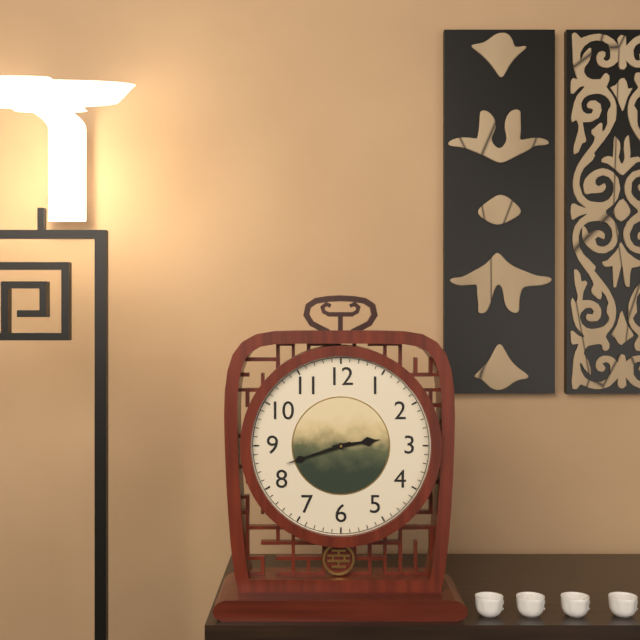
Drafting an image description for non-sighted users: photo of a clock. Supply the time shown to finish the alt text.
2:42
